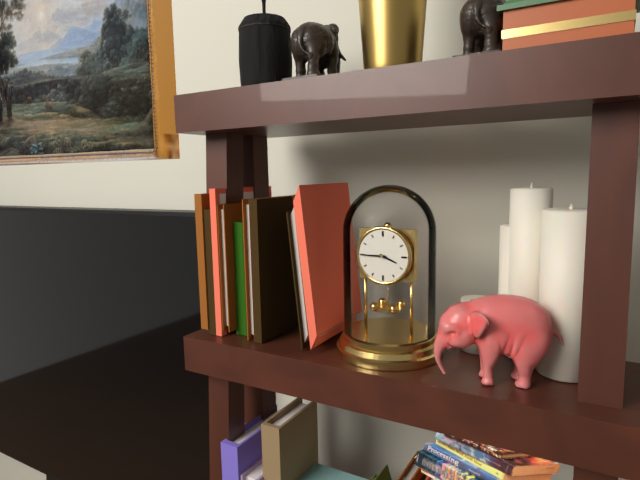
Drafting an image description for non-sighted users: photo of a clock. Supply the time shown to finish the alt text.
3:45
